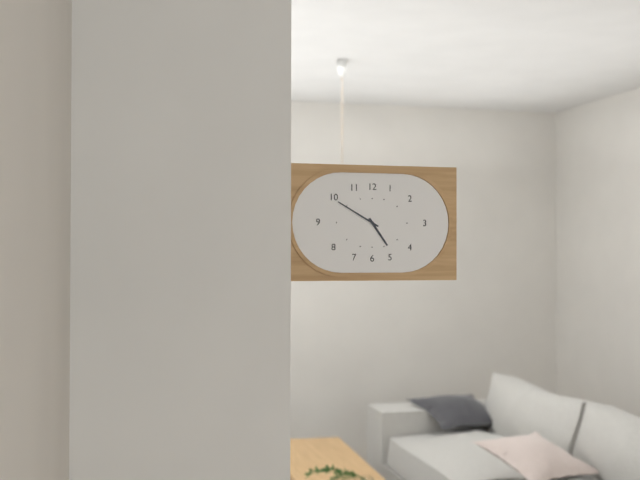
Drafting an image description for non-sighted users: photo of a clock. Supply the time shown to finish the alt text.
4:50
